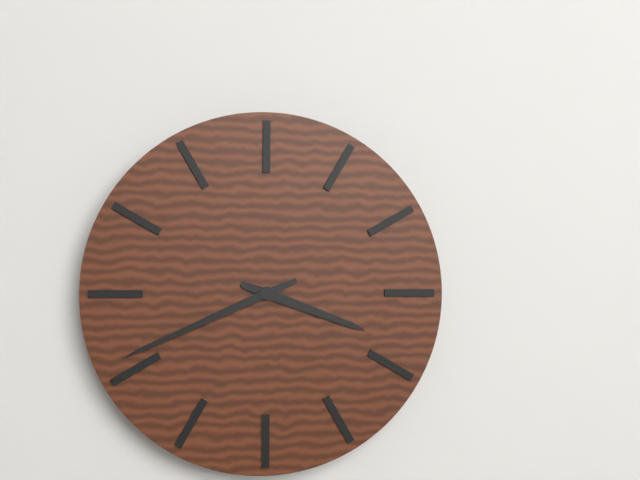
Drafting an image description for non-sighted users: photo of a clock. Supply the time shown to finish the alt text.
3:41
